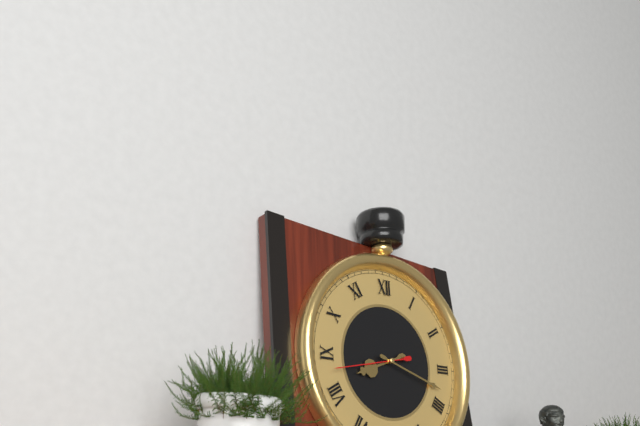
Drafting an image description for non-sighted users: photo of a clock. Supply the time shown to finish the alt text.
8:18:43
